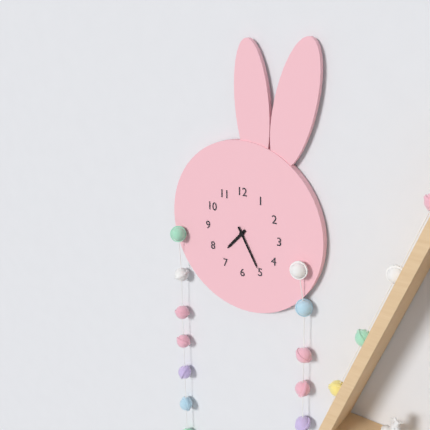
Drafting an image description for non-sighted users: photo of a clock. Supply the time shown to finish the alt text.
7:25
